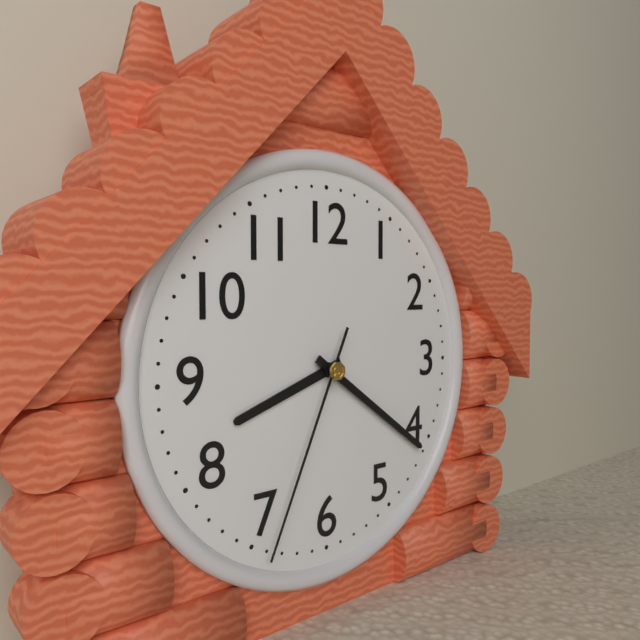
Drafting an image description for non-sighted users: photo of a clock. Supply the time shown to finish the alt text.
8:21:34
